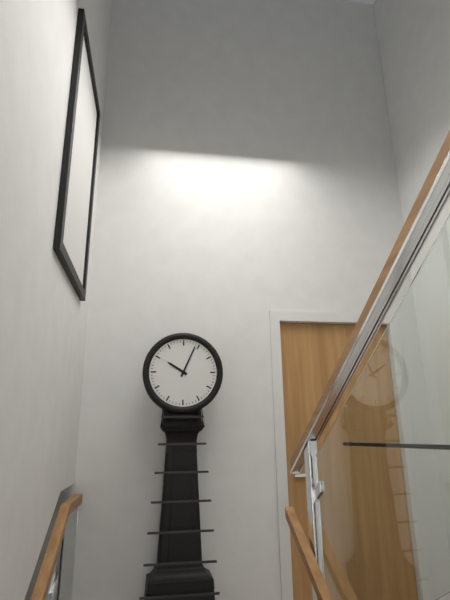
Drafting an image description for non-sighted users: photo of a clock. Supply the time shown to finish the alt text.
10:04
